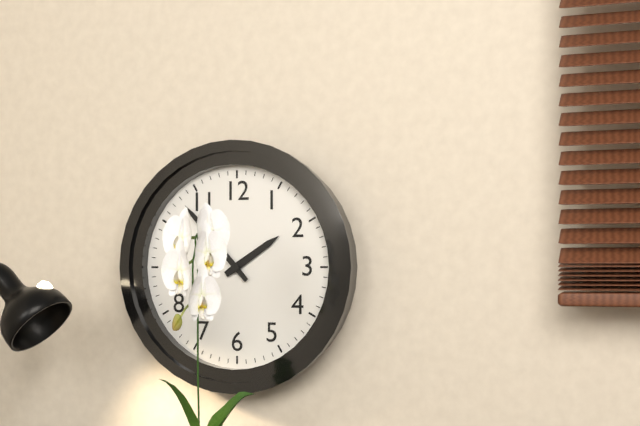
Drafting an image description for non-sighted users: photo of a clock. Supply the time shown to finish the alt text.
1:53
